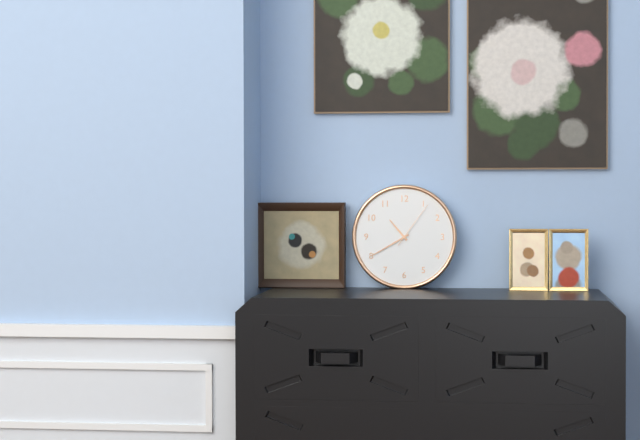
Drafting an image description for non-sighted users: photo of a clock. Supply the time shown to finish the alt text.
10:40
